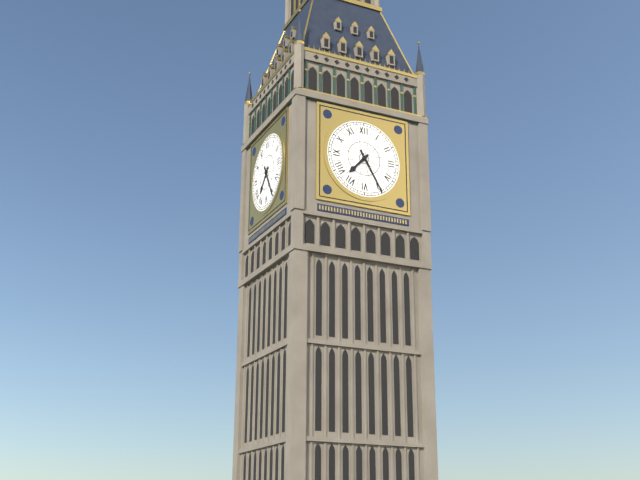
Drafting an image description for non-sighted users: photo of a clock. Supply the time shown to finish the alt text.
7:25
